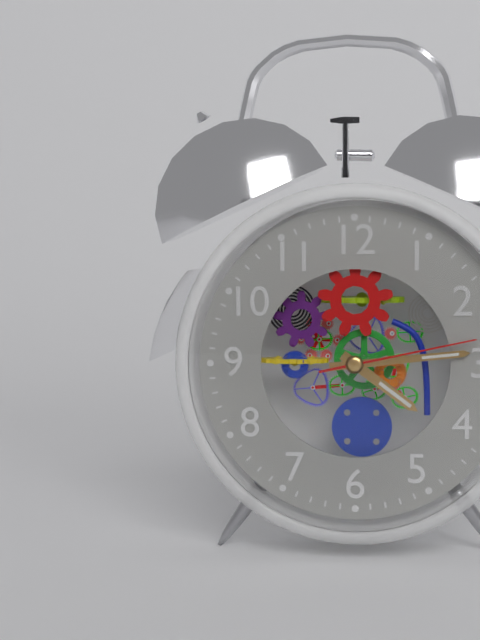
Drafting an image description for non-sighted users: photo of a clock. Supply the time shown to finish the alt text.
4:14:13
